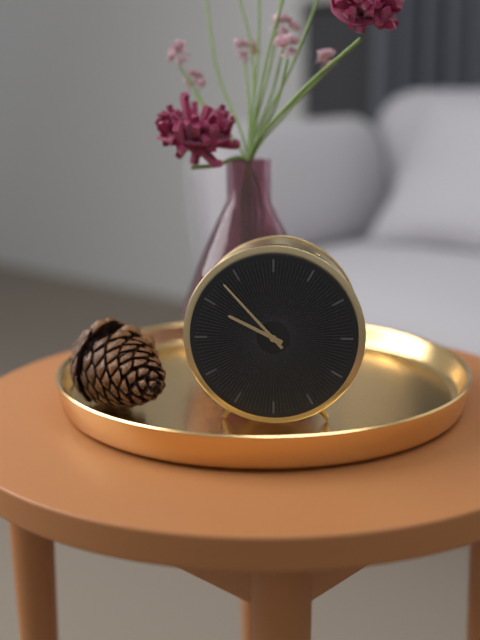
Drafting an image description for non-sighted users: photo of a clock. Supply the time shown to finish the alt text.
9:53
